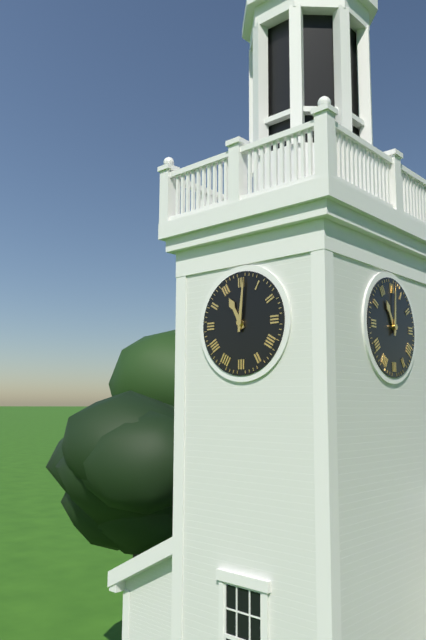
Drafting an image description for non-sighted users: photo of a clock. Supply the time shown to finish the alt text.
11:01
